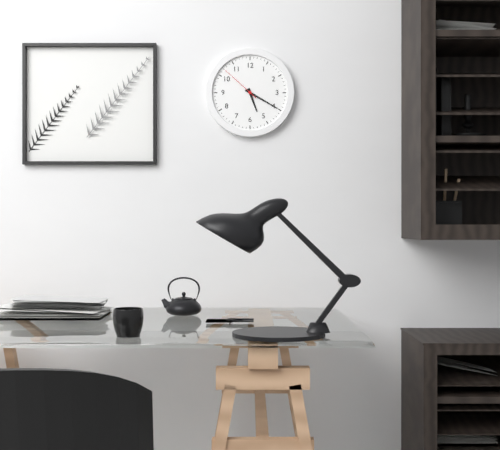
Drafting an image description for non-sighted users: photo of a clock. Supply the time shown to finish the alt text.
5:20
